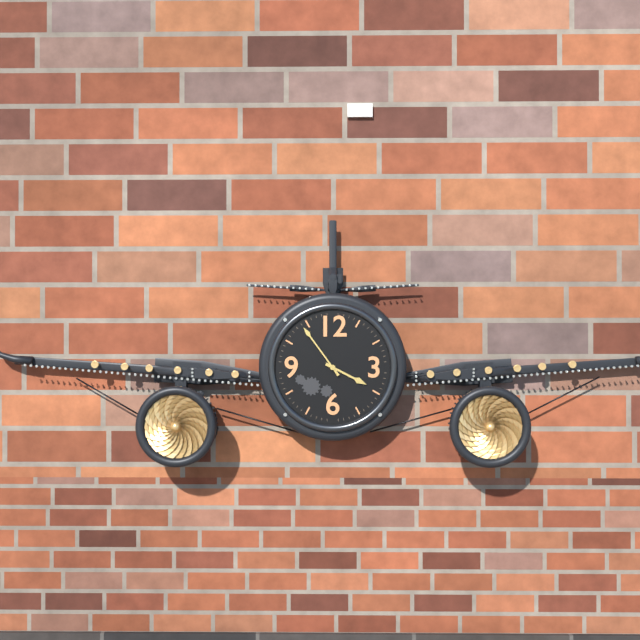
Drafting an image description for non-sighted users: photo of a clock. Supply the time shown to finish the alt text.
3:54
